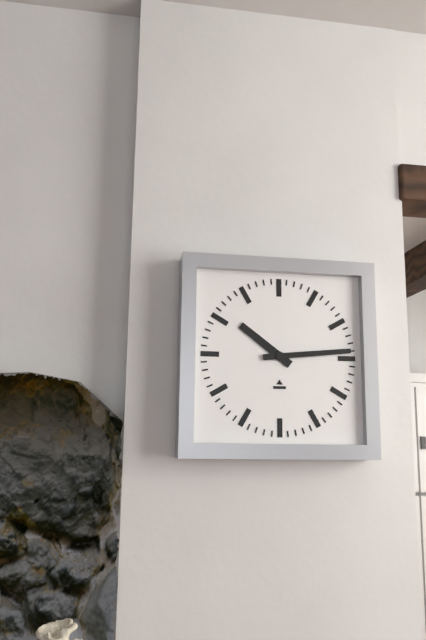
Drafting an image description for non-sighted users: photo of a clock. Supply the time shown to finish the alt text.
10:14
